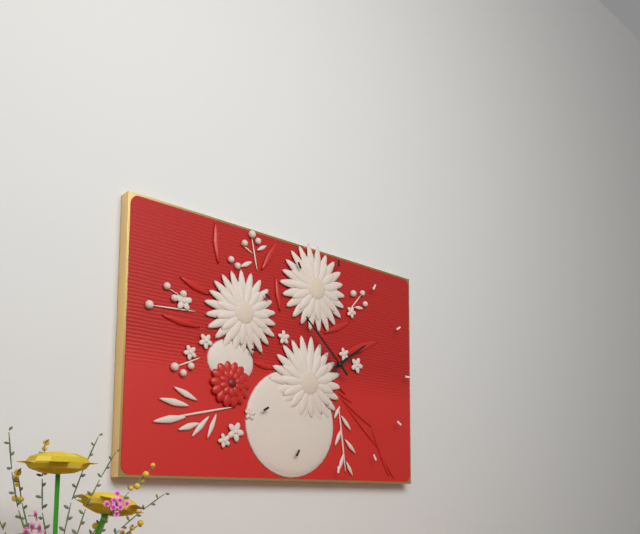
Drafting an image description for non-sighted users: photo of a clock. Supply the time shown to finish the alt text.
1:52
